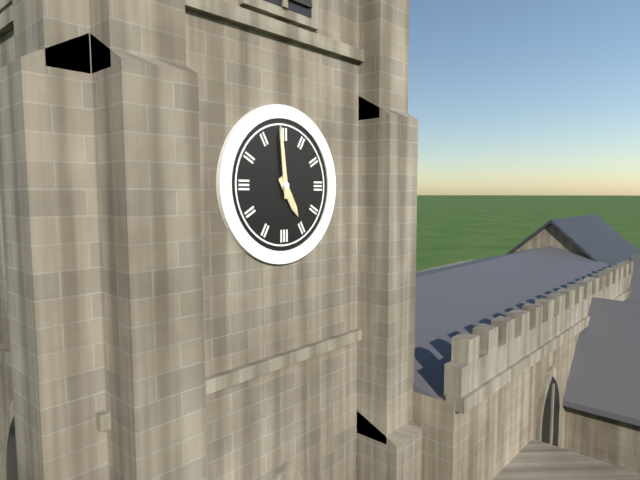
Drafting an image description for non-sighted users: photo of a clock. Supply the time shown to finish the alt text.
4:59
